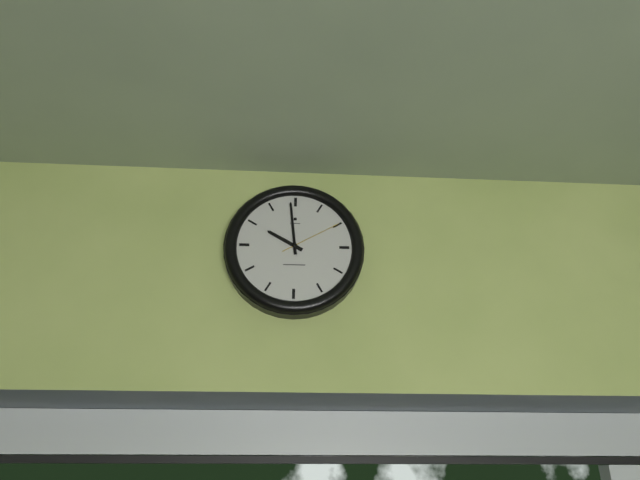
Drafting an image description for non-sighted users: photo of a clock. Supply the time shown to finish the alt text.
9:59:10
